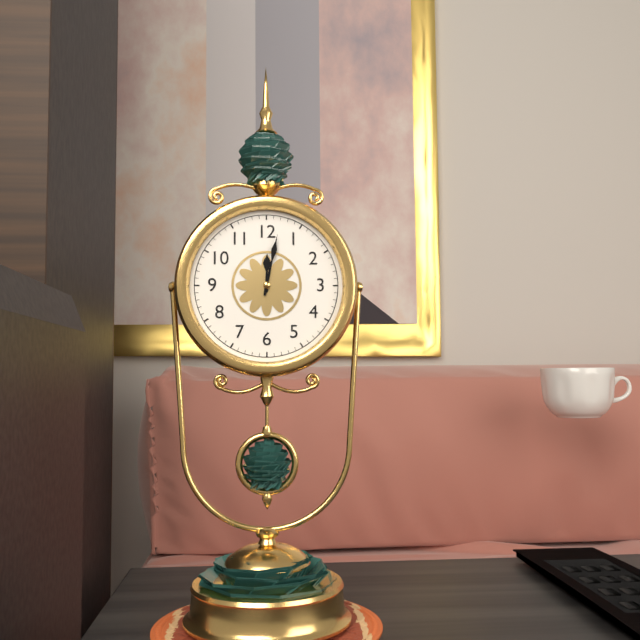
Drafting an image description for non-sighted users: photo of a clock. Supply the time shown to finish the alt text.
12:02
